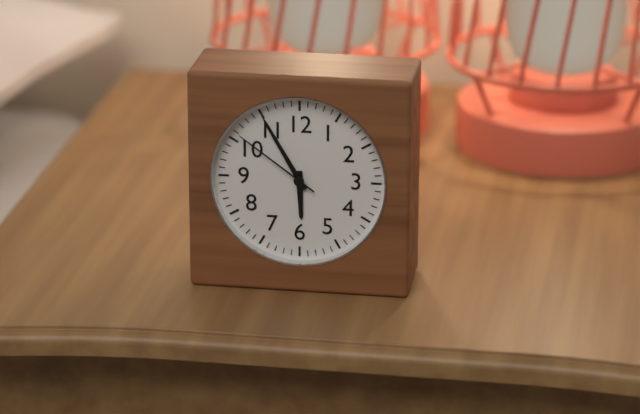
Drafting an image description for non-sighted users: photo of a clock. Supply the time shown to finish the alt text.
5:55:51
